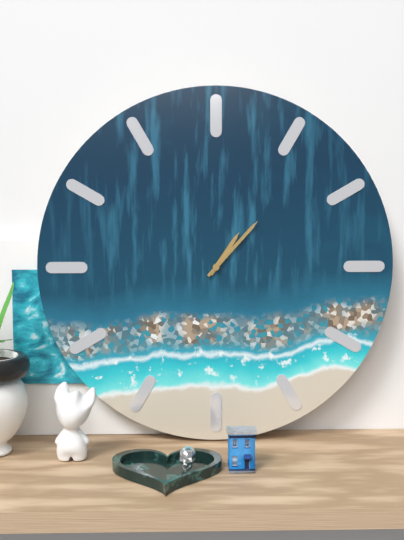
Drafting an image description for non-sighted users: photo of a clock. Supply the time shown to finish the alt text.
1:07
